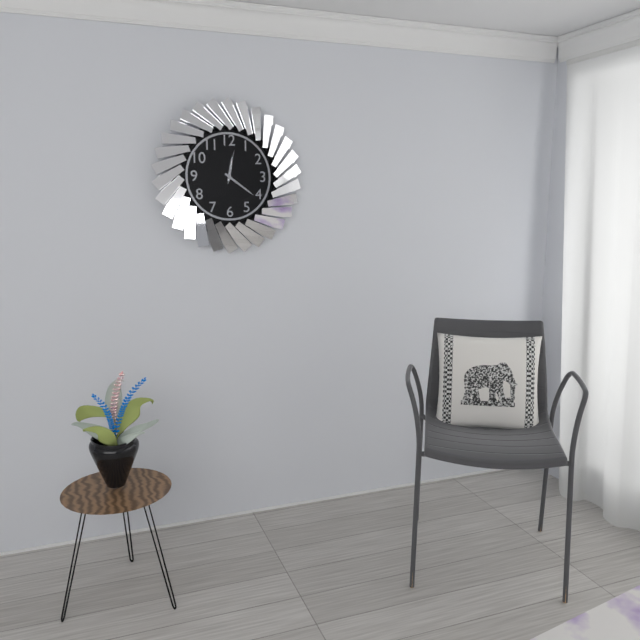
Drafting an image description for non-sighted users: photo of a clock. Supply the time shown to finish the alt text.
12:21
